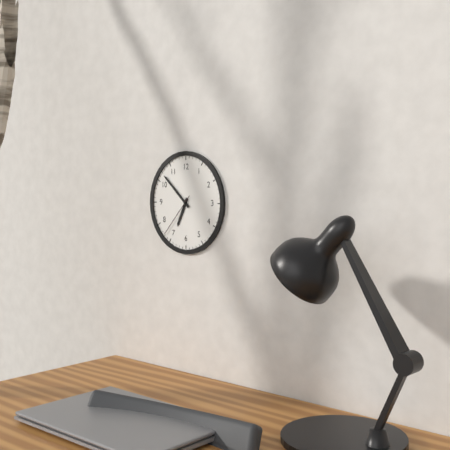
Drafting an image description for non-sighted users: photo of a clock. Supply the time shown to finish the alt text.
6:52
